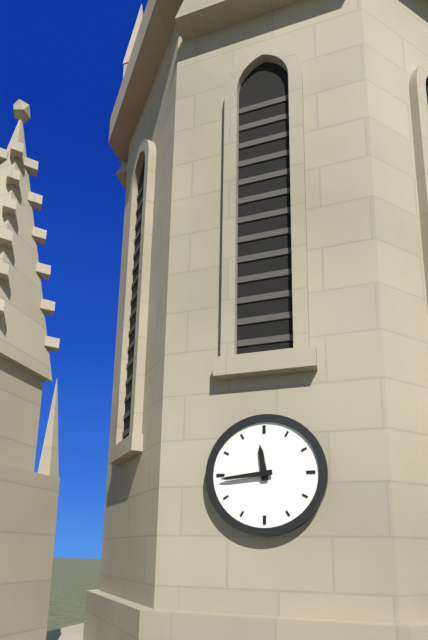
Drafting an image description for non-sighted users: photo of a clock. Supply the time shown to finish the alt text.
11:44
